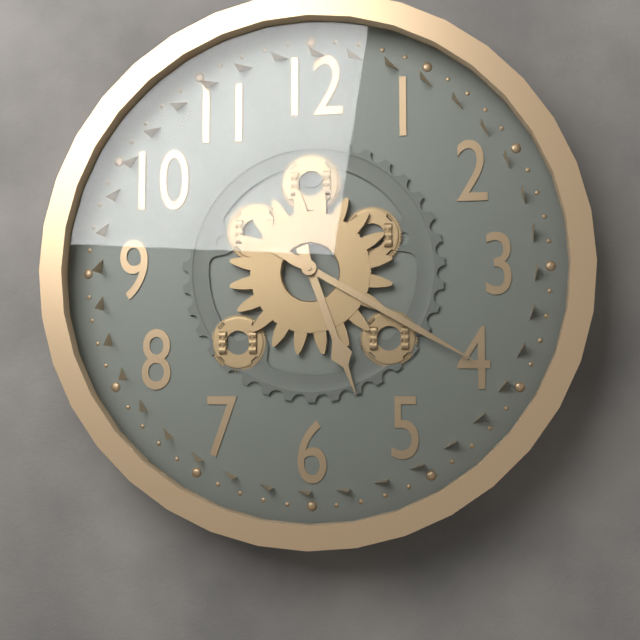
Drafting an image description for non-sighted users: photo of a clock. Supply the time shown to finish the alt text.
5:20
